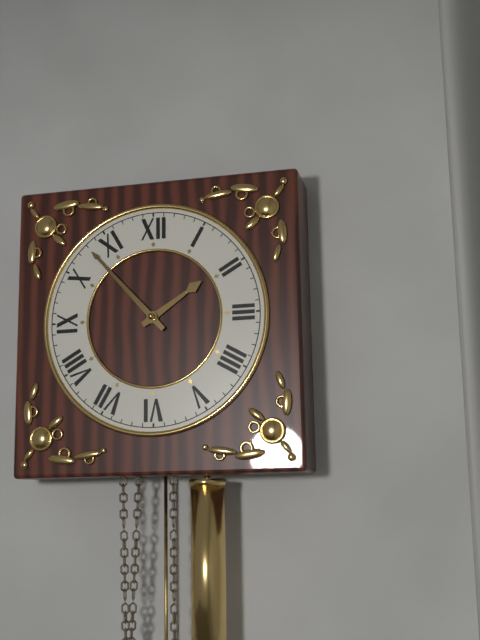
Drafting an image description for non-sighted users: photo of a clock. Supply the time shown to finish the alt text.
1:53
